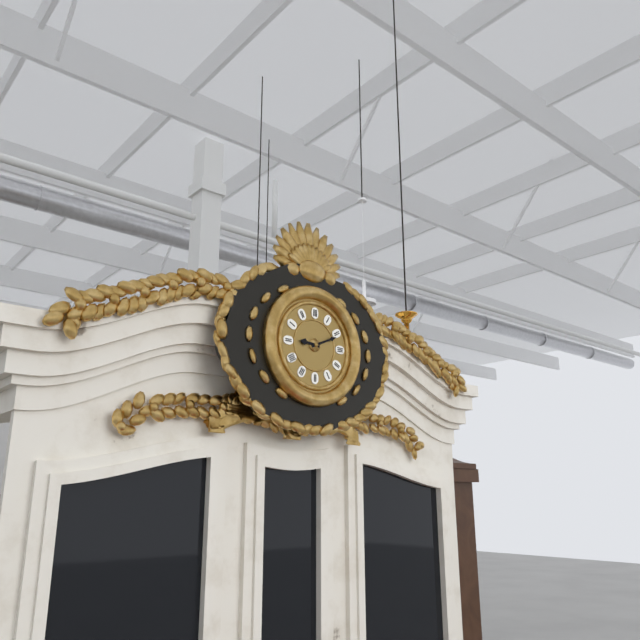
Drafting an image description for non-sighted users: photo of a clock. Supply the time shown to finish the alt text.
9:11
